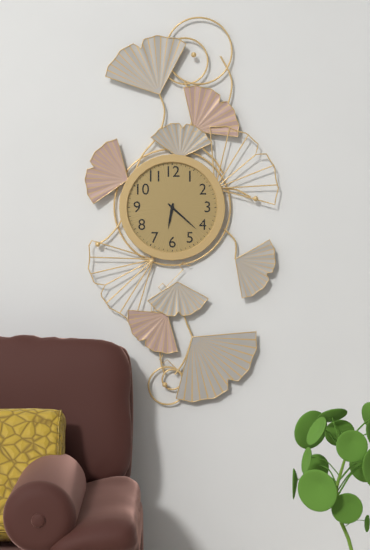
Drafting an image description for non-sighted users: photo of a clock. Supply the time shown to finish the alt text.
6:22
